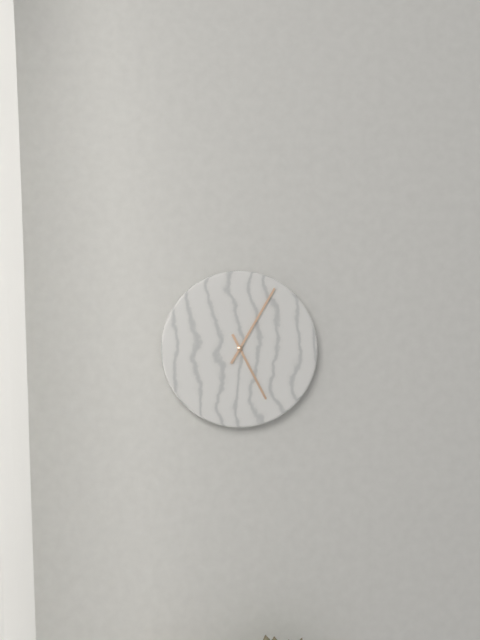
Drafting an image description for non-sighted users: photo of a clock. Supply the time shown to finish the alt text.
5:05
